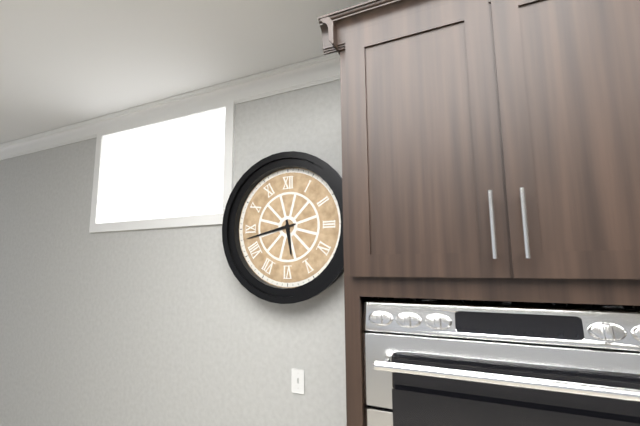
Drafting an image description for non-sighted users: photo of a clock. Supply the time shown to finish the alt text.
5:43
